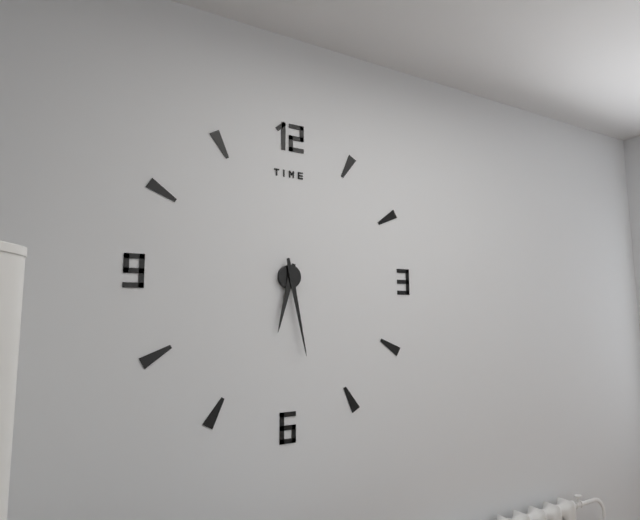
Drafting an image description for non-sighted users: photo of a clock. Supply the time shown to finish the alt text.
6:28
